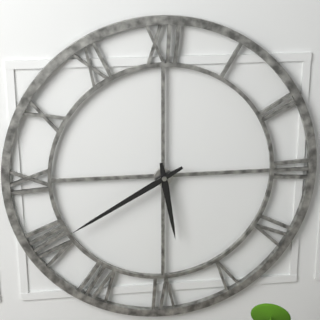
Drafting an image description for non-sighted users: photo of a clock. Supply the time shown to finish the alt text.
5:40
